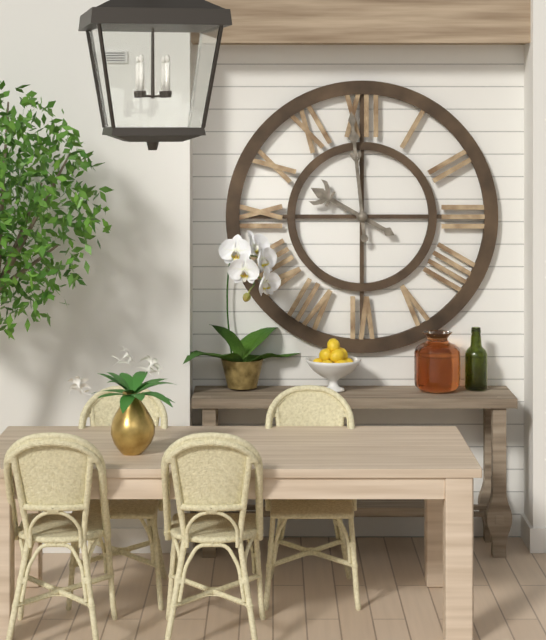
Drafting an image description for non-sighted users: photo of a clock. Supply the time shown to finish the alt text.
9:59
